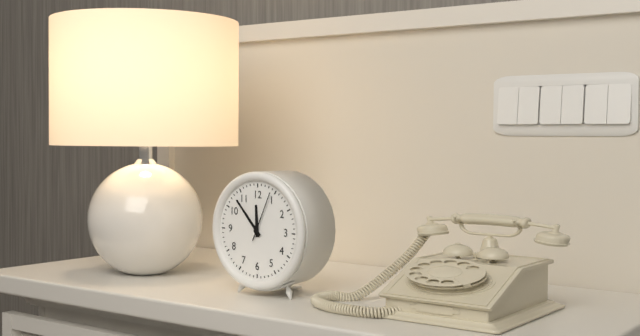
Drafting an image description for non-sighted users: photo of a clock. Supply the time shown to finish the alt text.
11:53:04
